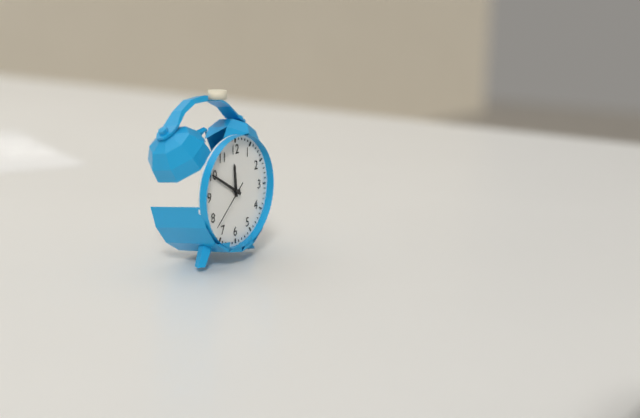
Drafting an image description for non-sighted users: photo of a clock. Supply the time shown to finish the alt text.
11:50:38
